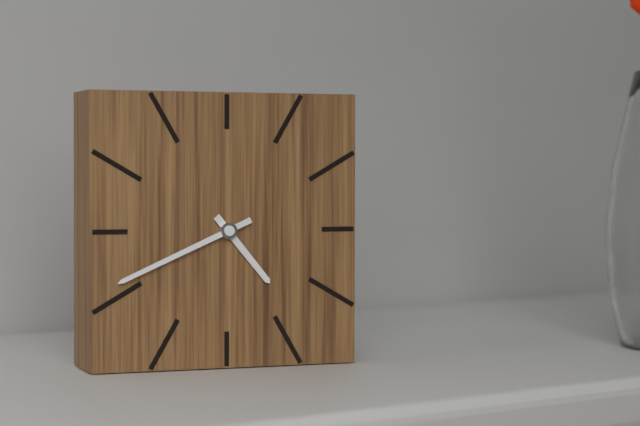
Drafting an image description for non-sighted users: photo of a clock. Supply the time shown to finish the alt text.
4:41
